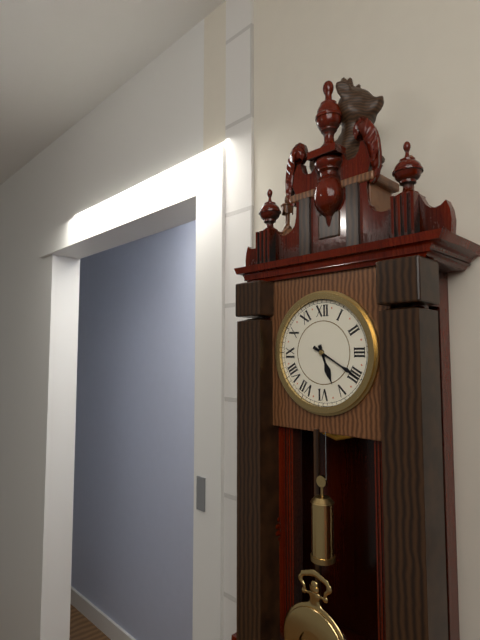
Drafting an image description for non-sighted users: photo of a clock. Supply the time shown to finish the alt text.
5:20
